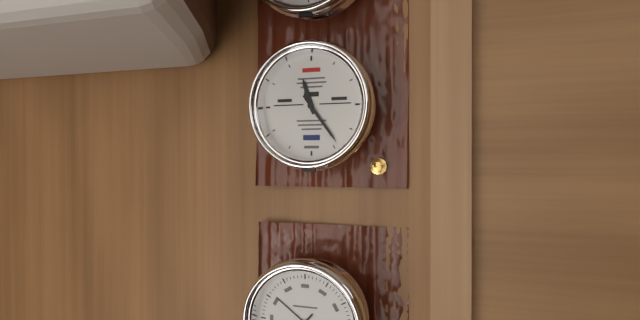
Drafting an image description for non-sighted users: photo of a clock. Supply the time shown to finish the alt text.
11:24
